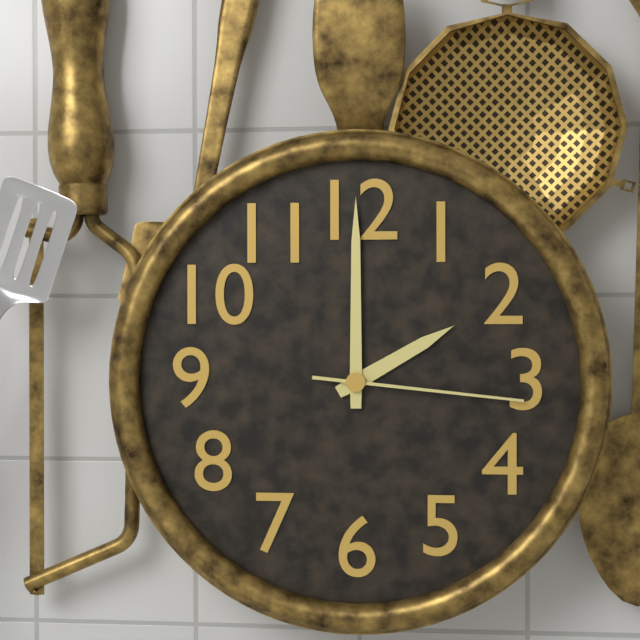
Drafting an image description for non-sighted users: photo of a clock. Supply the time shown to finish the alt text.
2:00:16
